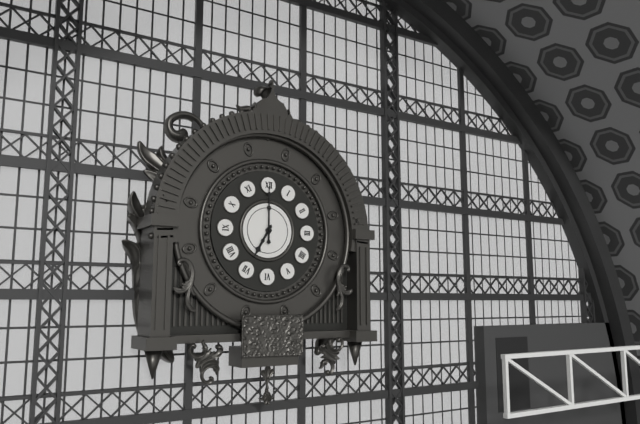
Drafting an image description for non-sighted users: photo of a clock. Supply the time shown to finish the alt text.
7:00
